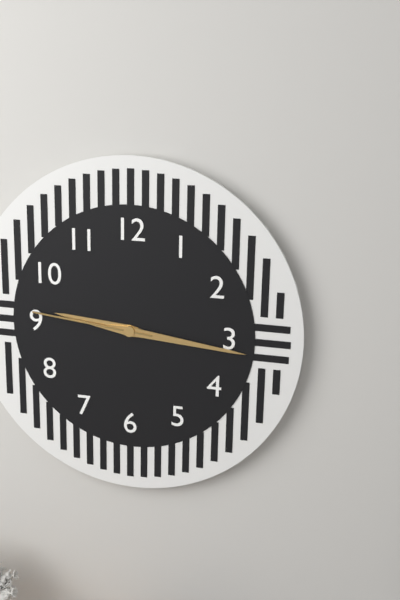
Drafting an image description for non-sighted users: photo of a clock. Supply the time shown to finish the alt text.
9:16:46
